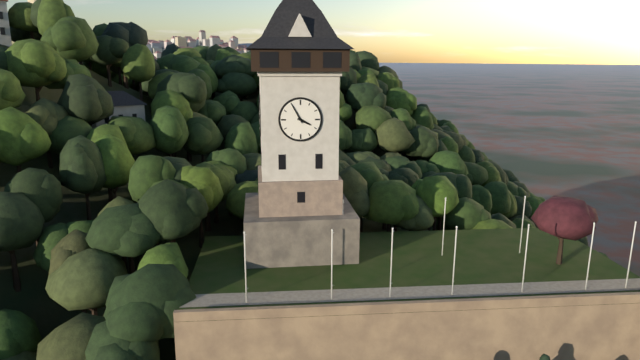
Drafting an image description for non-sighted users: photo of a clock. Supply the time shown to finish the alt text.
3:55
